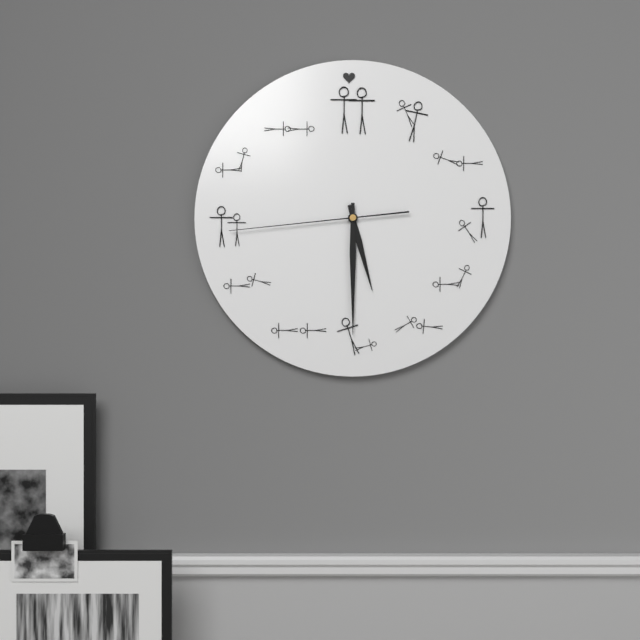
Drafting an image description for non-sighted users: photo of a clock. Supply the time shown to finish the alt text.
5:30:44
